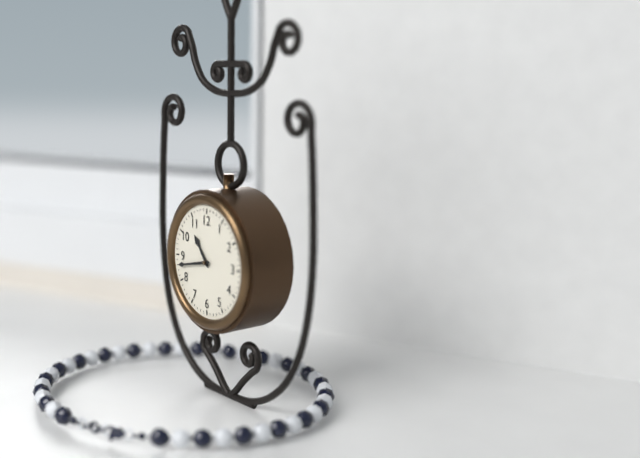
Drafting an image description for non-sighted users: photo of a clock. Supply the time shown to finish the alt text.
10:43
